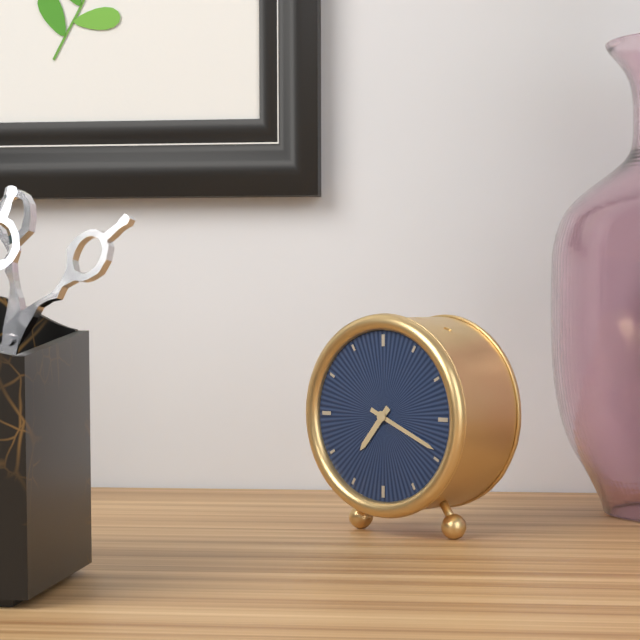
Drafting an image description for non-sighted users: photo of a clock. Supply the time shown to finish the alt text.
7:19
